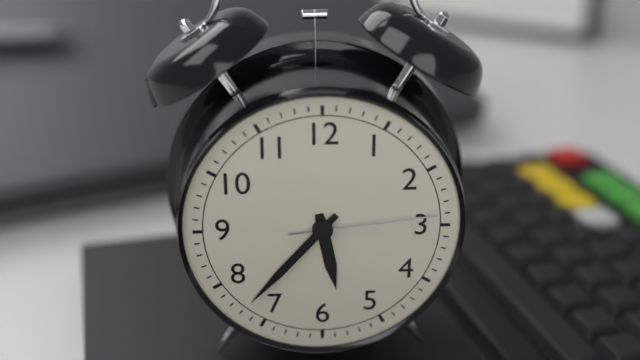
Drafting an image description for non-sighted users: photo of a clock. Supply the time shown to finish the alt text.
5:37:14
